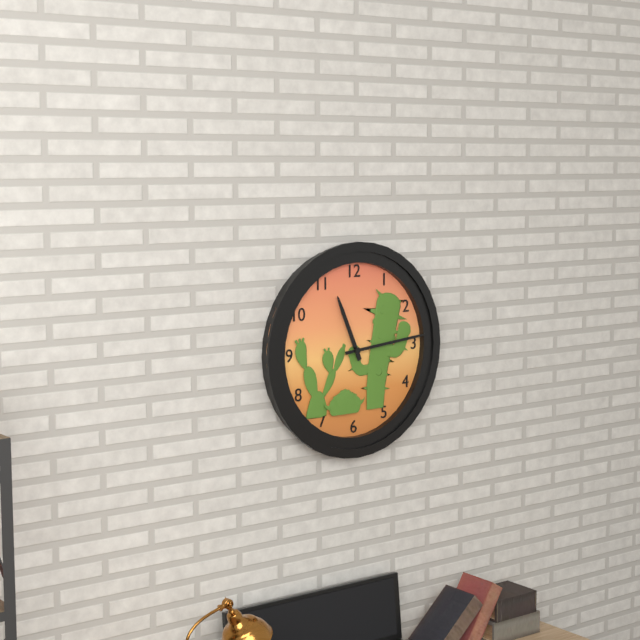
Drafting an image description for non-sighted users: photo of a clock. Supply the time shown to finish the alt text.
11:14
